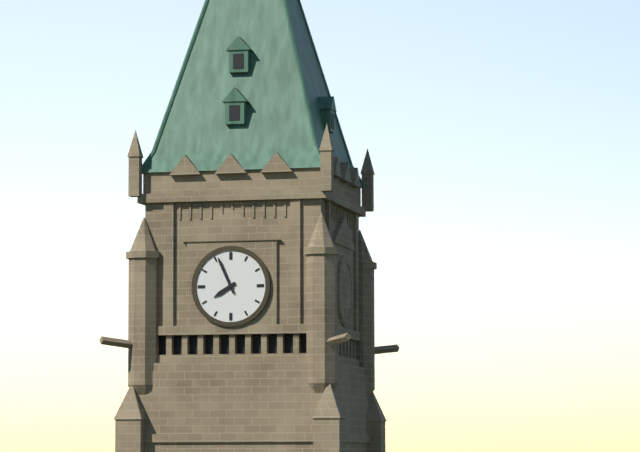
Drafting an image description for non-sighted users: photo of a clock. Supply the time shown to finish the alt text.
7:56
